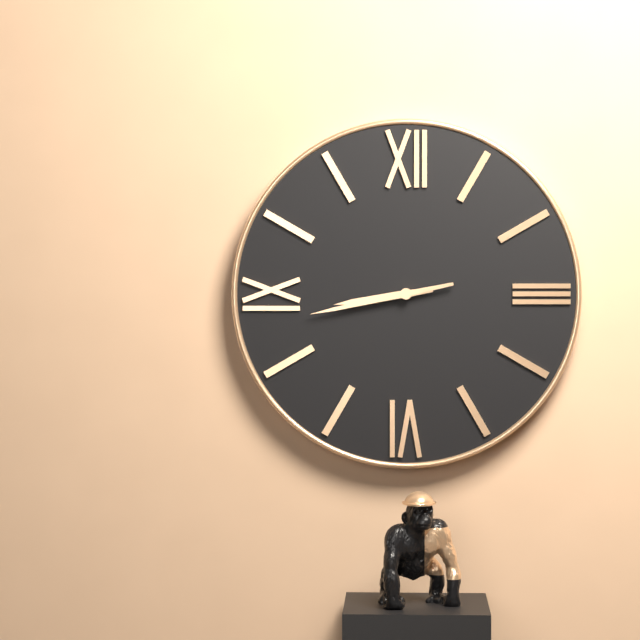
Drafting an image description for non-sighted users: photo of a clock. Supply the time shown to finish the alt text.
8:43
